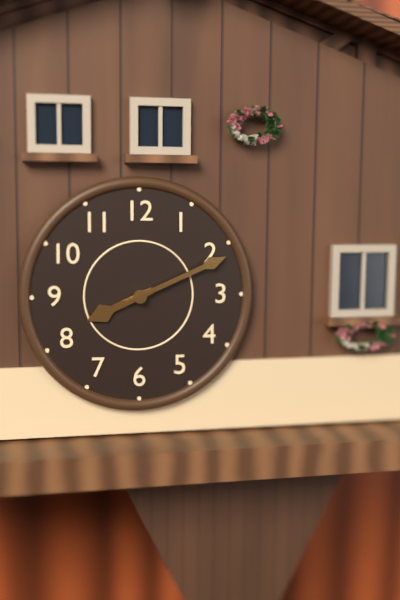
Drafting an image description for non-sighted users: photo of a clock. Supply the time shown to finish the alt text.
8:11
